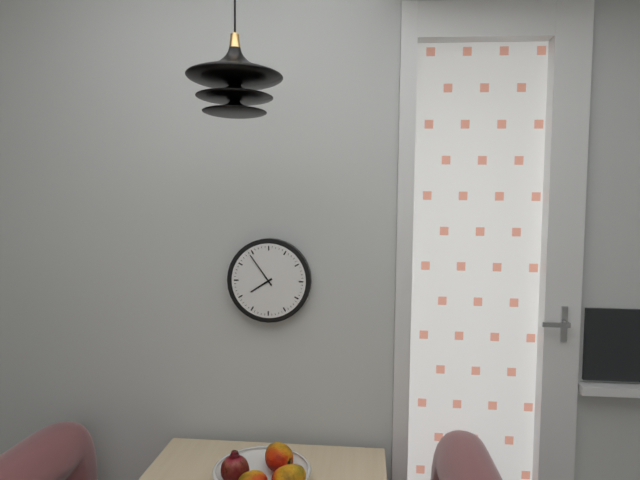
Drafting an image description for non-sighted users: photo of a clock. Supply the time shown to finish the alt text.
7:54
